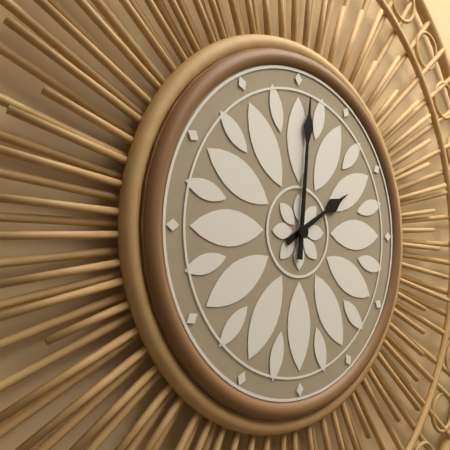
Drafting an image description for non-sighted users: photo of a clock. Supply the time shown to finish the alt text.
2:01
